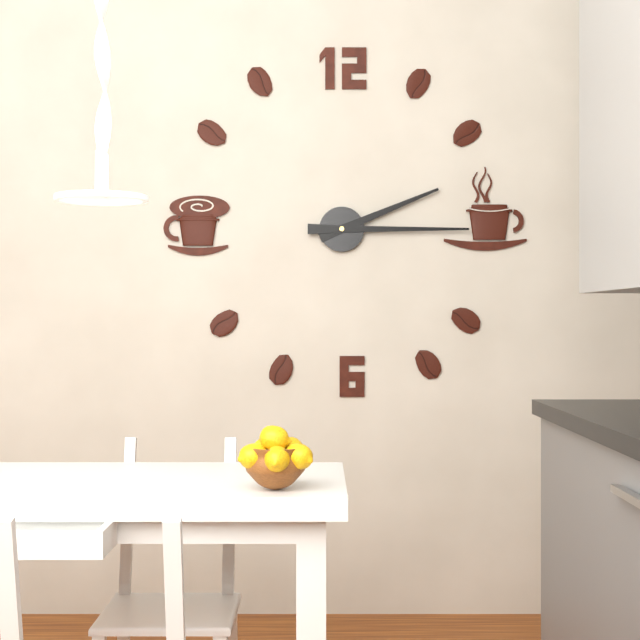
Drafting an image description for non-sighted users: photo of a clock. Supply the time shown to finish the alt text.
2:15
